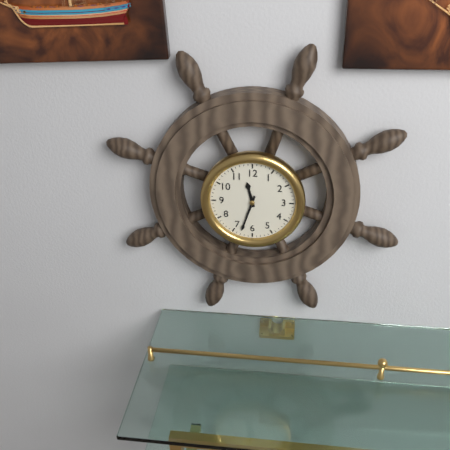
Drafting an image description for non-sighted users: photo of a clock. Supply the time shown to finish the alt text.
11:33
